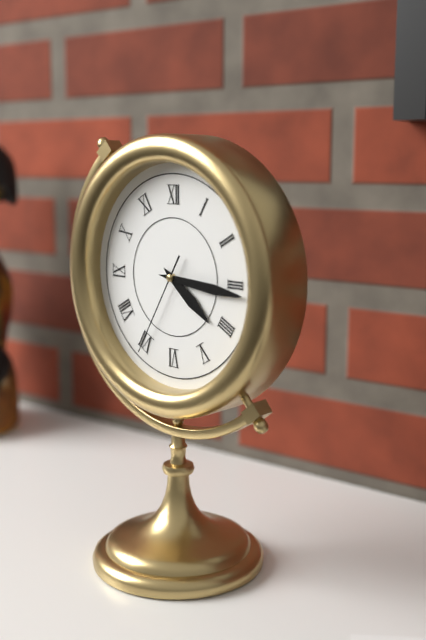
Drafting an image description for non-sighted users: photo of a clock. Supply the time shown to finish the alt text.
4:16:35
